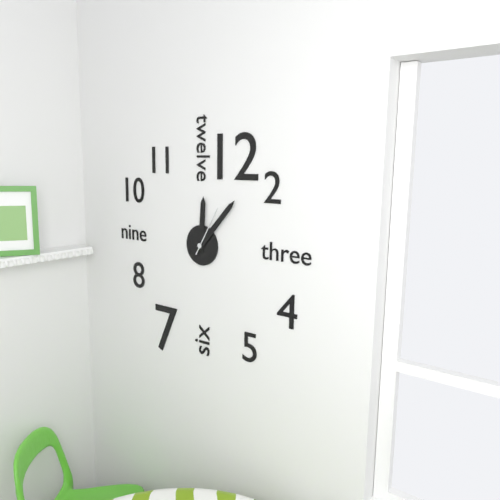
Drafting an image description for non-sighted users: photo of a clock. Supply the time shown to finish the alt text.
12:07:05
